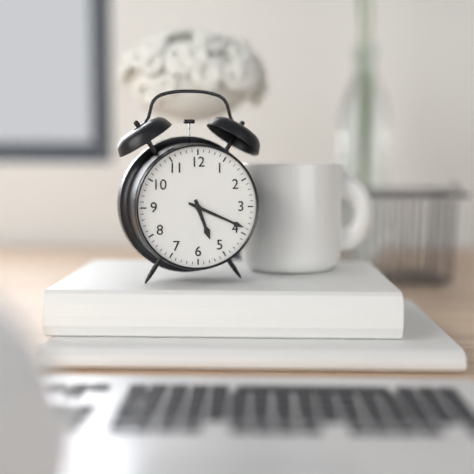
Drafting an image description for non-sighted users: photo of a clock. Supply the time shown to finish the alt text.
5:19
